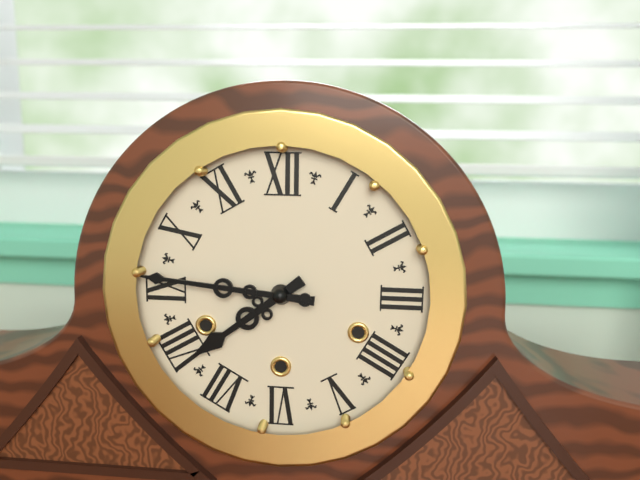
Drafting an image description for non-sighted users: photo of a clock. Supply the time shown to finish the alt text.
7:46
